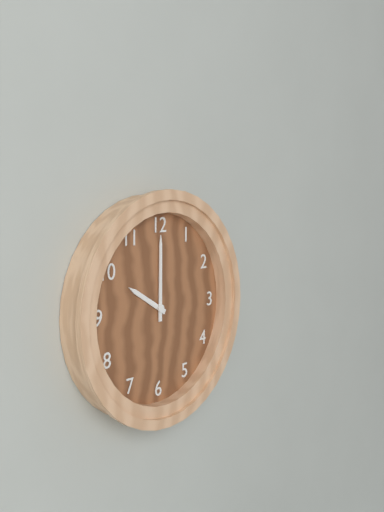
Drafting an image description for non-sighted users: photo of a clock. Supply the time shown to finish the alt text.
10:00
